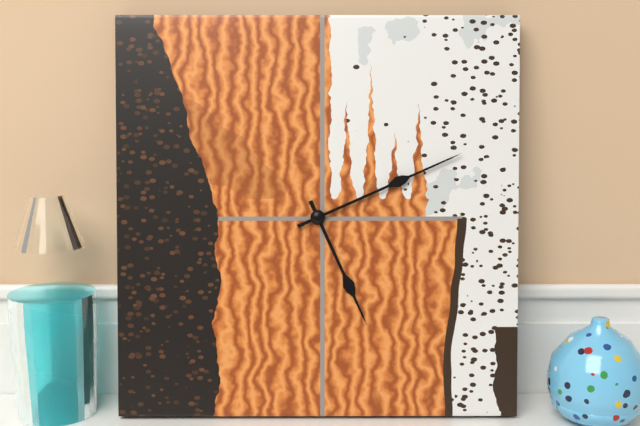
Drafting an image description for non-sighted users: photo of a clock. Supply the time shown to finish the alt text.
5:11
